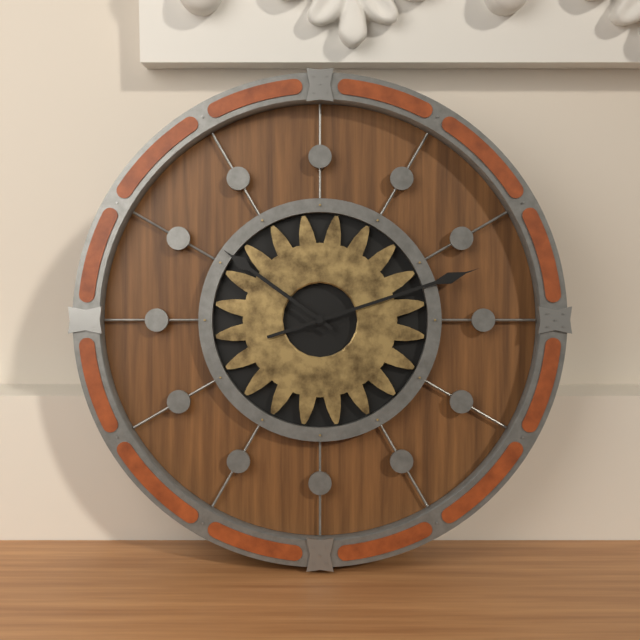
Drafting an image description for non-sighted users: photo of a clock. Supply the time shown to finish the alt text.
10:12
